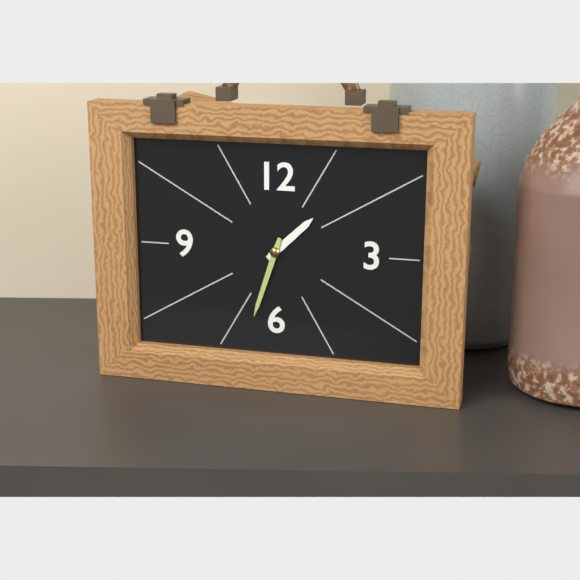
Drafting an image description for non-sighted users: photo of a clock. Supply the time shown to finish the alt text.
1:33
